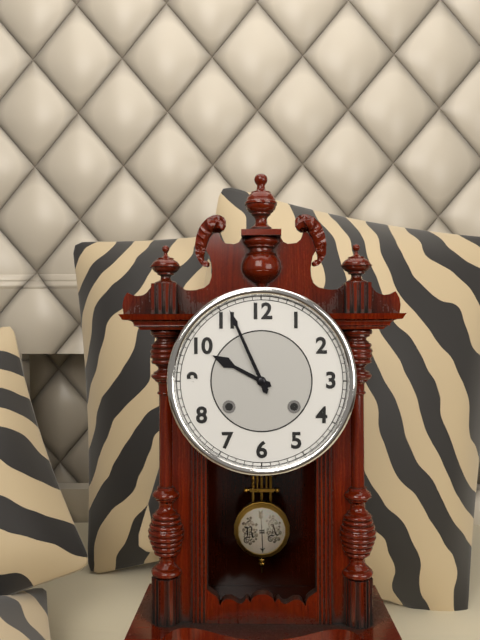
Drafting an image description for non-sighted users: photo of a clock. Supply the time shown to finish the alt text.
9:56
